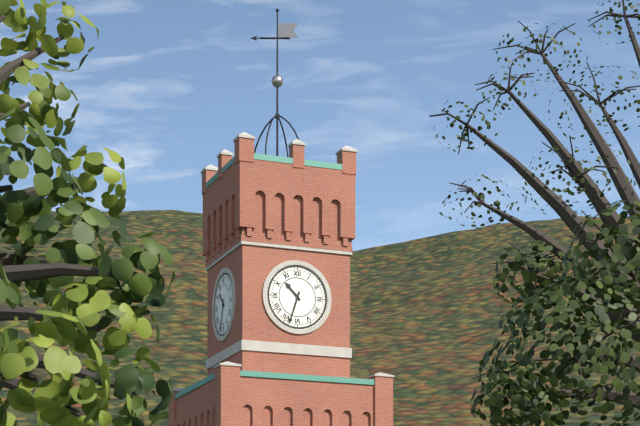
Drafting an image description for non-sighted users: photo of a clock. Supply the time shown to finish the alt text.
10:33
